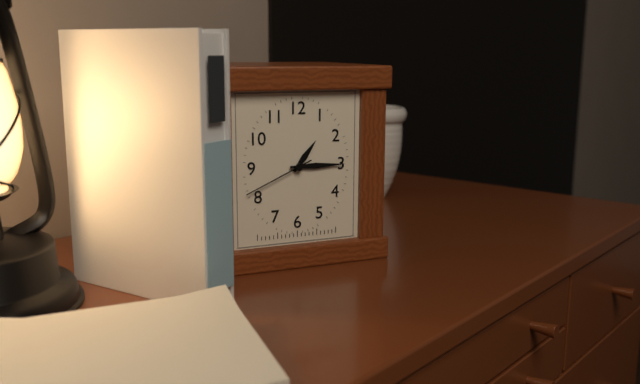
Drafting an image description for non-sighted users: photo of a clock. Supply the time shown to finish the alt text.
1:15:41
